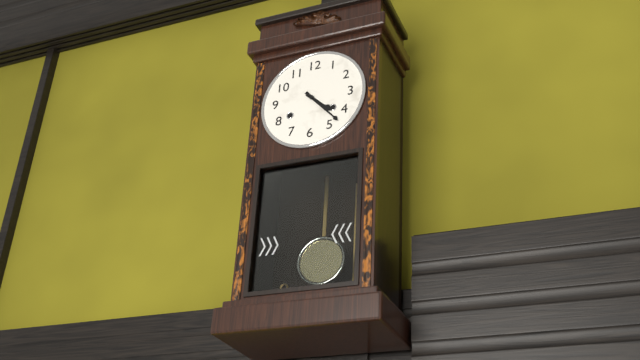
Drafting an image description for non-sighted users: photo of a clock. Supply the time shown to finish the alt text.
4:23
